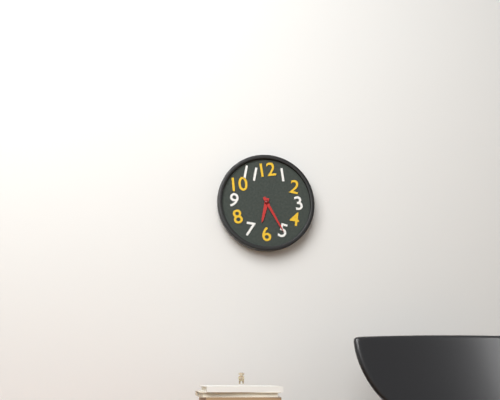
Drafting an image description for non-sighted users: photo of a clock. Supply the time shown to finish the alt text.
6:25
